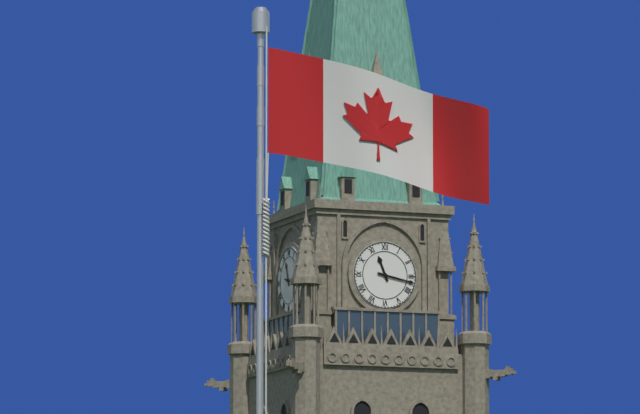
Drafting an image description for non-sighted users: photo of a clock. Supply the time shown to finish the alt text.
11:17
